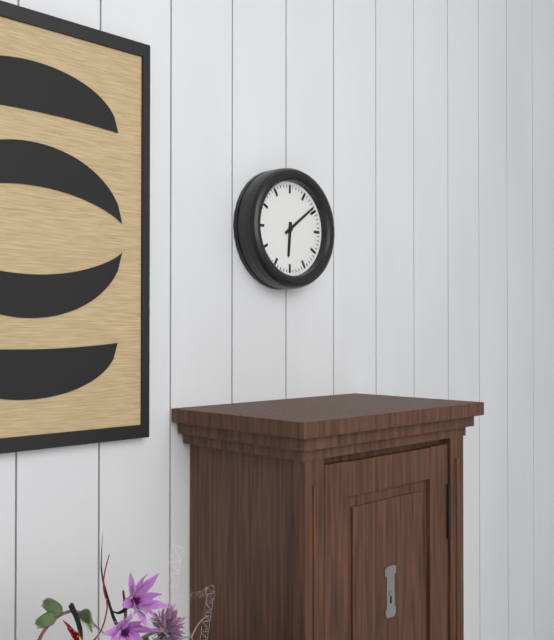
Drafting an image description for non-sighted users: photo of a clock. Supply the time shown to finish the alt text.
6:09
